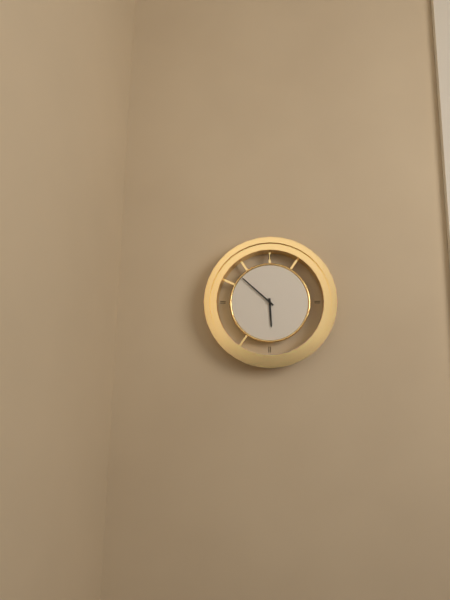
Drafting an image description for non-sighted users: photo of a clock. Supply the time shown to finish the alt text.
5:52
